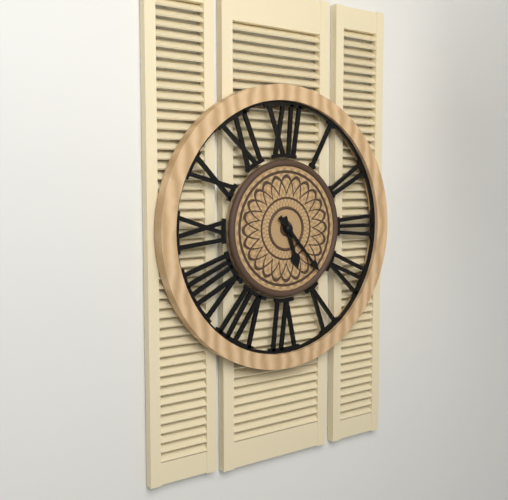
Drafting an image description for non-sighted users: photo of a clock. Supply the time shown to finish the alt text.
5:23
